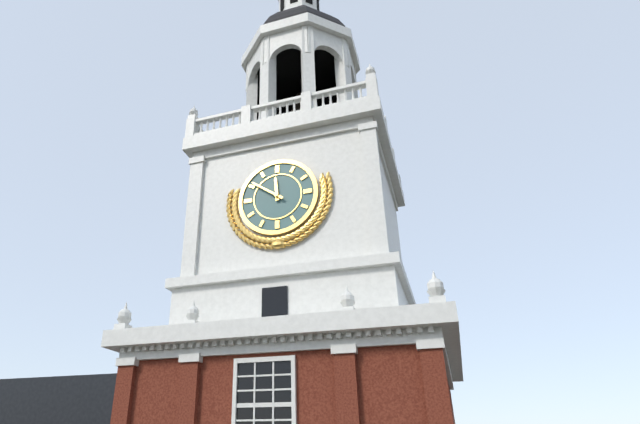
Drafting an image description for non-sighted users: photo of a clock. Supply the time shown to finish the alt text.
11:51
